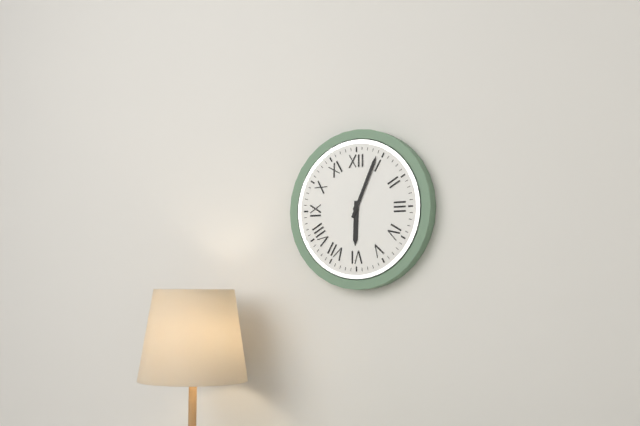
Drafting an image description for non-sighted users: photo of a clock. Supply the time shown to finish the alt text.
6:04
